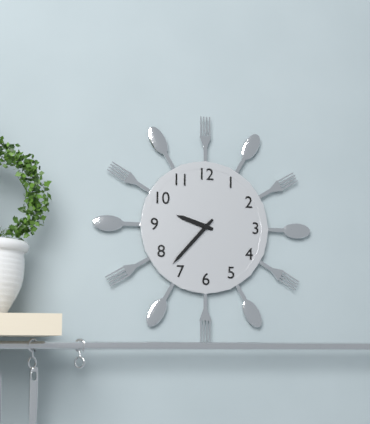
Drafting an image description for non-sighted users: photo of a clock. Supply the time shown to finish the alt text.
9:37
